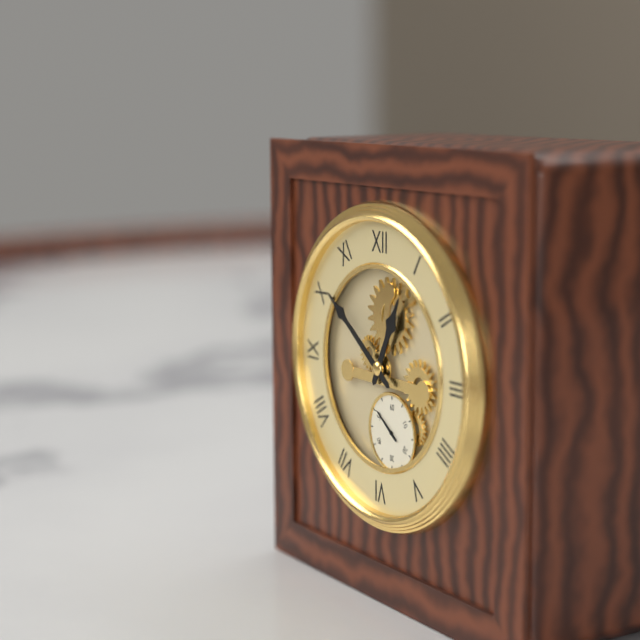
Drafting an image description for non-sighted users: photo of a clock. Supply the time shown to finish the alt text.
12:51
